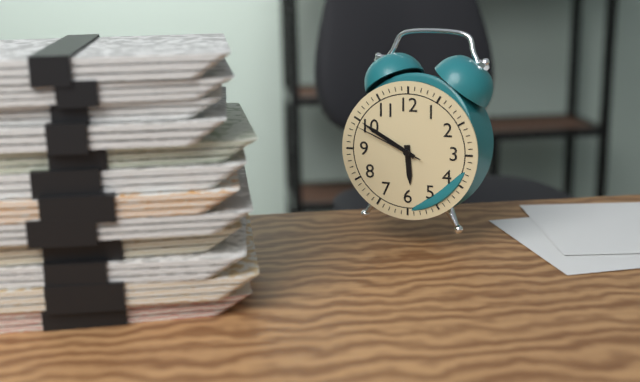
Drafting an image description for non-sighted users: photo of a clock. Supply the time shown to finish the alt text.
5:50:49
